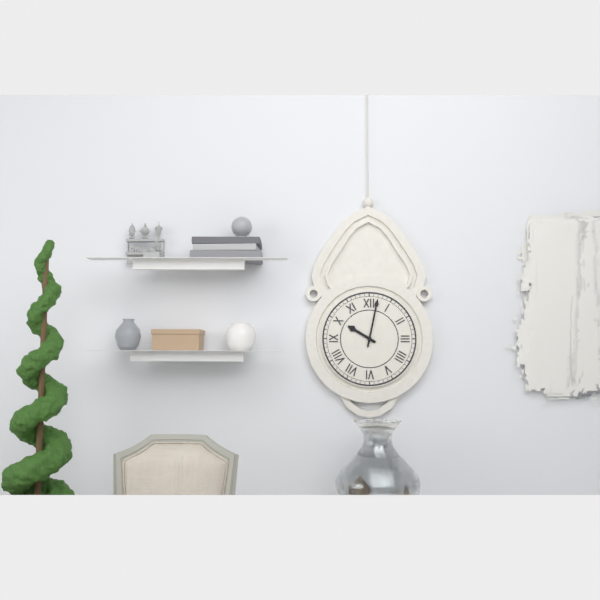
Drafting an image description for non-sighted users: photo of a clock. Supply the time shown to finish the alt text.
10:02
